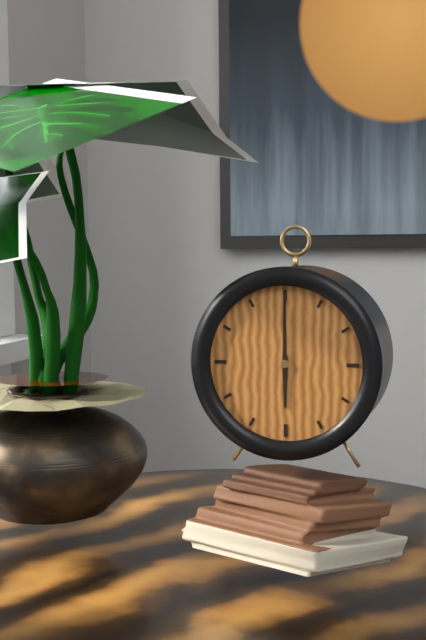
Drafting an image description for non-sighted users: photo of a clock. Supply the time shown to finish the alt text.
6:00
